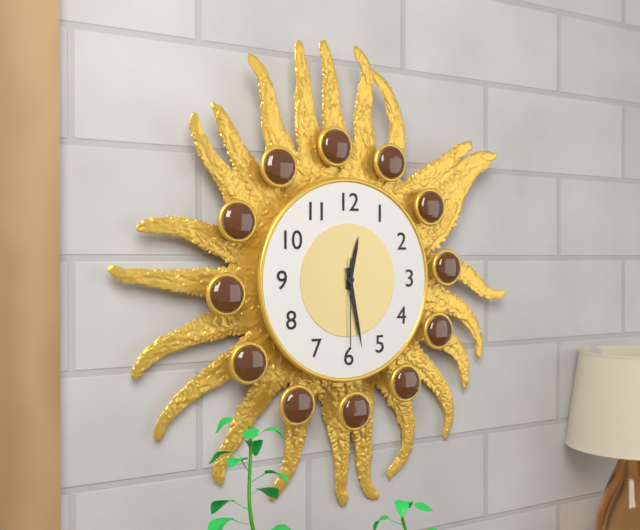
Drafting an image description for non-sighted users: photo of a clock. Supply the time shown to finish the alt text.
12:28:30
